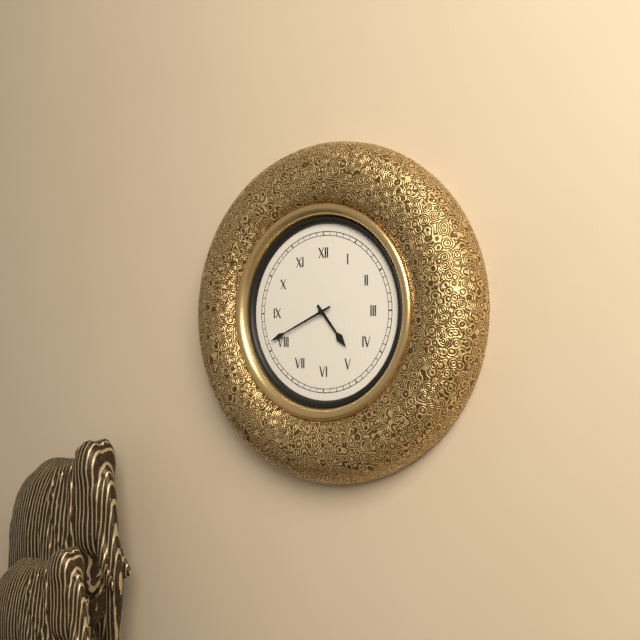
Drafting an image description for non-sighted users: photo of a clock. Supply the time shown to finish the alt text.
4:41
